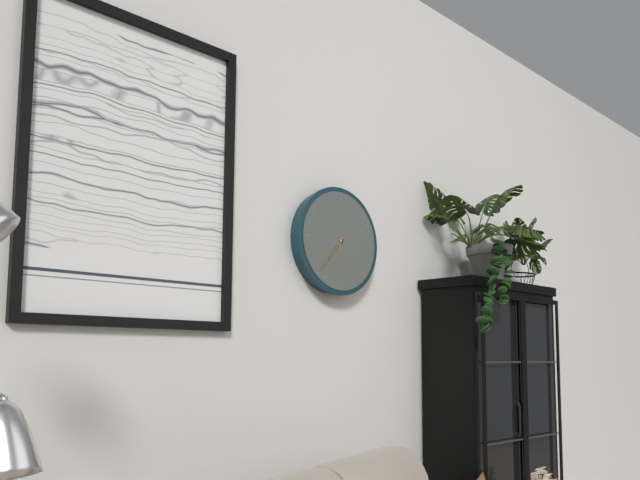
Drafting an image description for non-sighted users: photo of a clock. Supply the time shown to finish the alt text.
6:37
